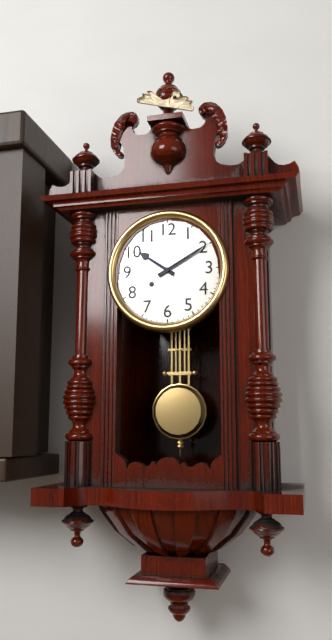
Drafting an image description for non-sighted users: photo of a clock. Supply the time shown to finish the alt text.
10:10
